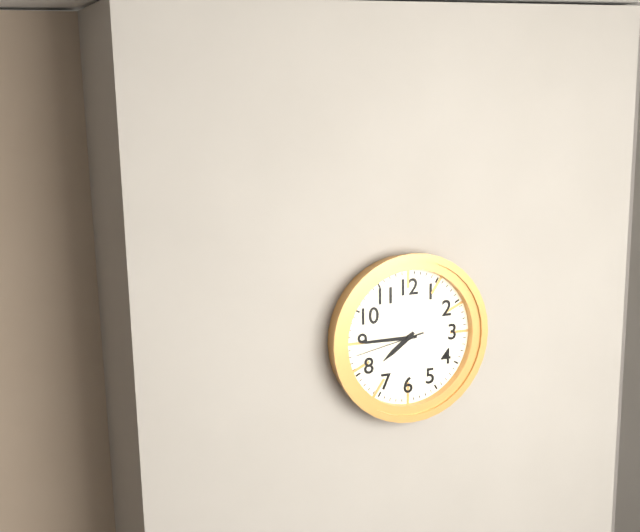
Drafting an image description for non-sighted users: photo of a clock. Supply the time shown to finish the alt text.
7:45:43
